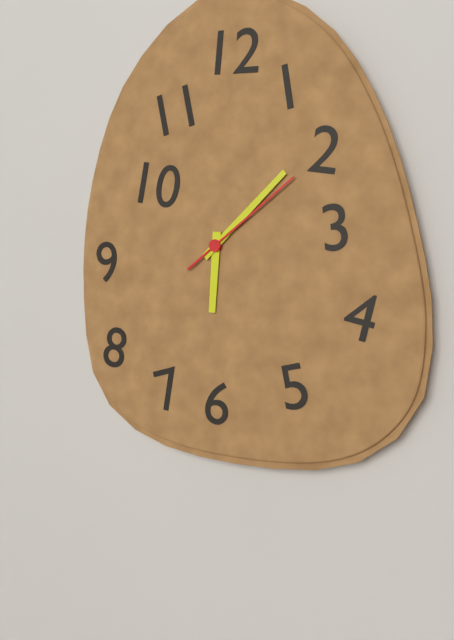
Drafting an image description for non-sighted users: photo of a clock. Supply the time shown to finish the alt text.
6:08:09
